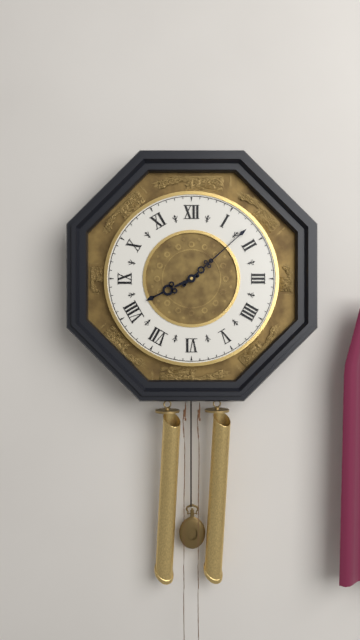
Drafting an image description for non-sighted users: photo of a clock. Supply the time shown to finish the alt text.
8:08
